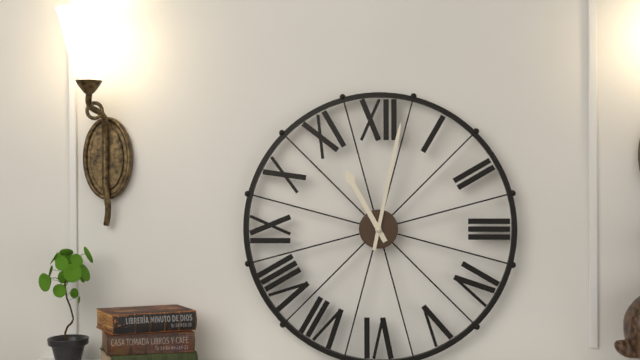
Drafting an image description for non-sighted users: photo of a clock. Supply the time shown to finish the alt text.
11:02
